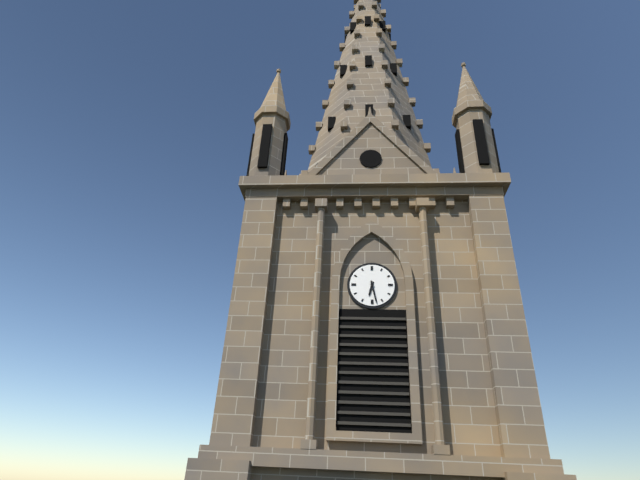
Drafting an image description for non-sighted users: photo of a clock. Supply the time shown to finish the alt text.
6:28
